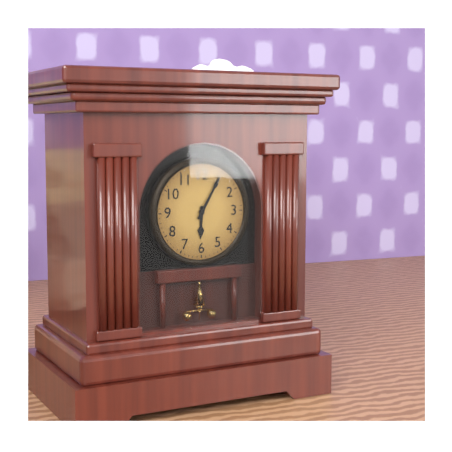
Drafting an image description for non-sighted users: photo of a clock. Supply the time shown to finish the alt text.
6:05
